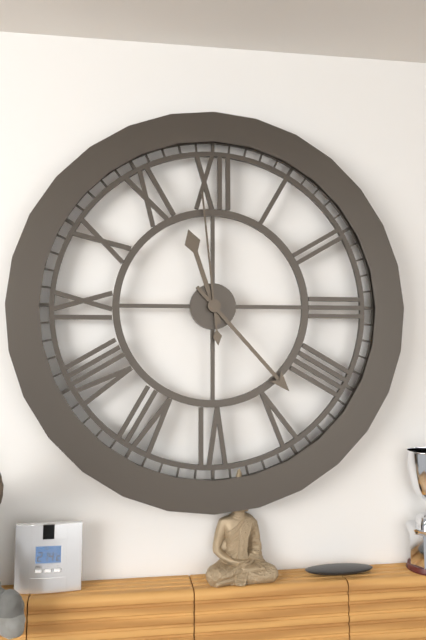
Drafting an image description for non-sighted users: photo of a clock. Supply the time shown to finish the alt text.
11:23:59
